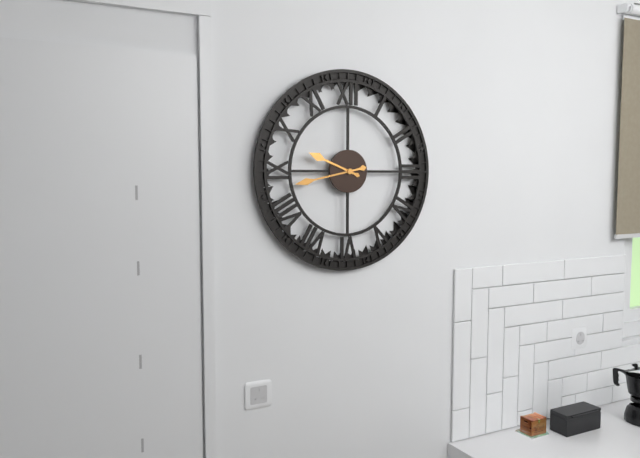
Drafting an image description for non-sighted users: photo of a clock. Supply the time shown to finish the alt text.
9:43
